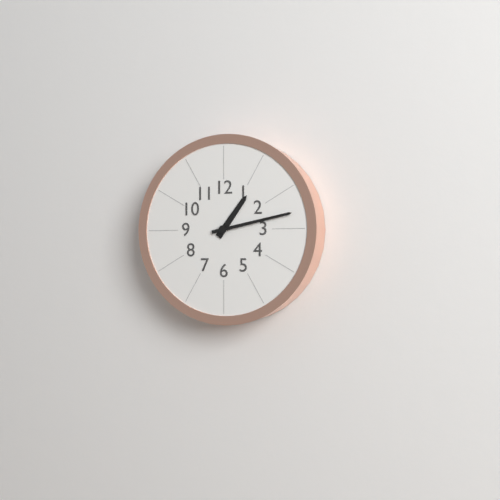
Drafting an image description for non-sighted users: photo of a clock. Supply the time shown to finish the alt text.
1:13
